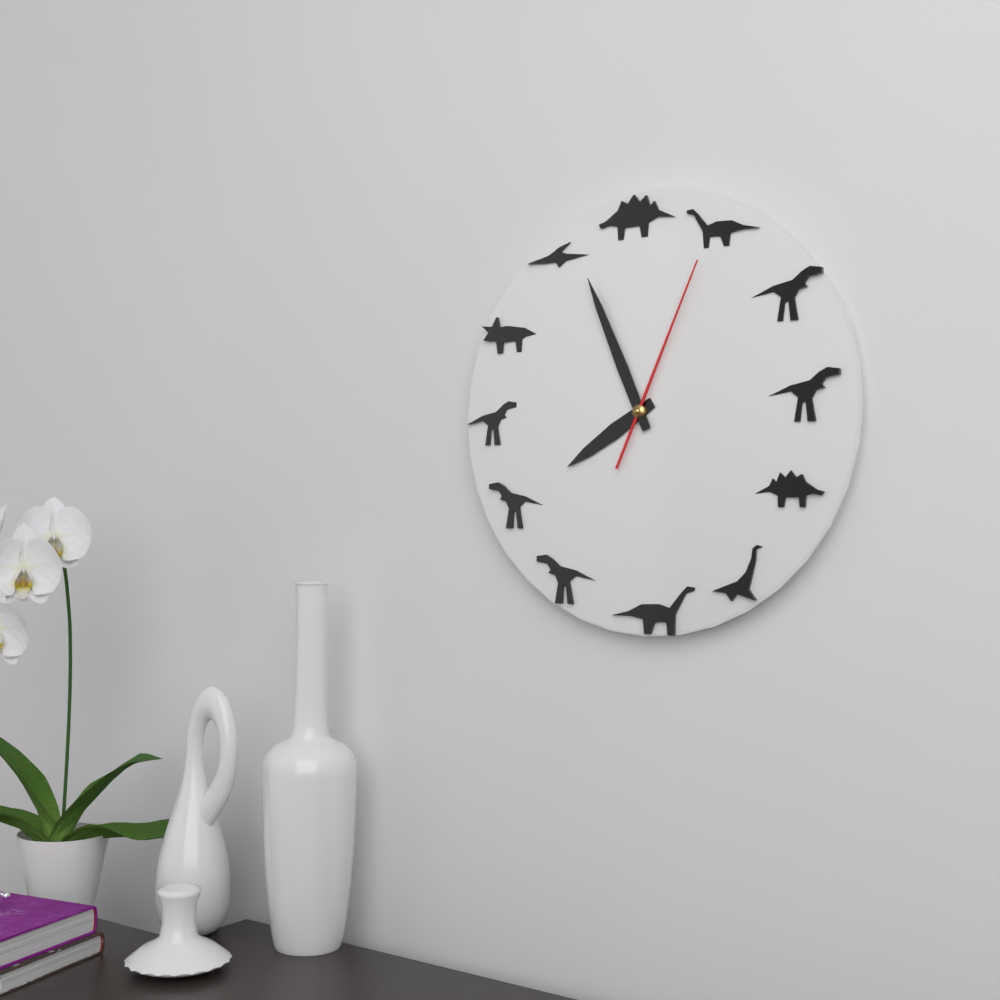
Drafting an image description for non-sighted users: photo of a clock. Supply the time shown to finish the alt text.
7:56:04
